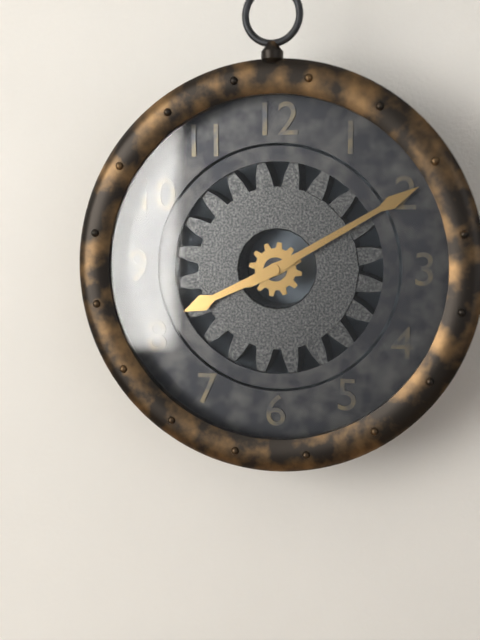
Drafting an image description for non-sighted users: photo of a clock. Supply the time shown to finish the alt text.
8:10
